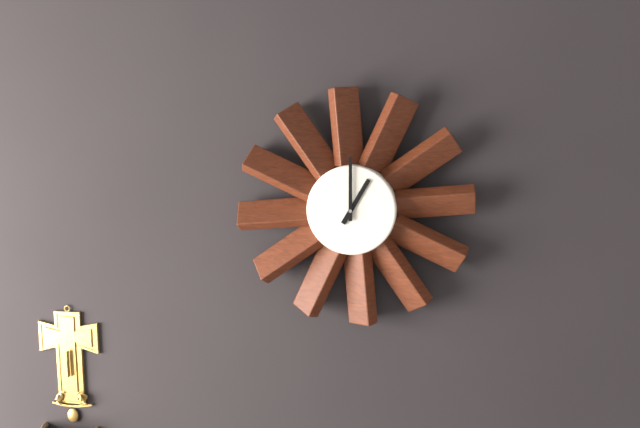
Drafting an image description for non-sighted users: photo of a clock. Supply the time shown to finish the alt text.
1:00
